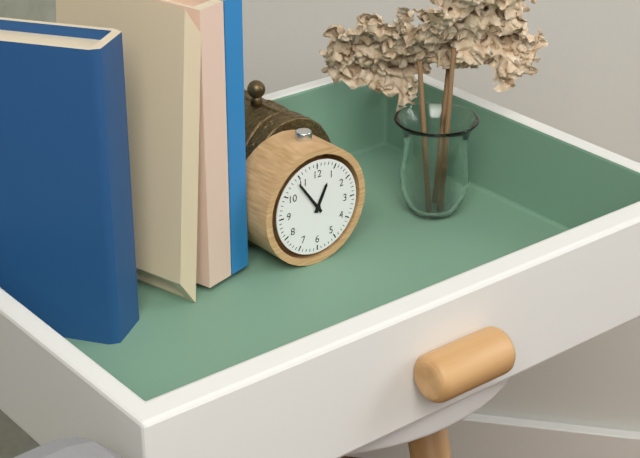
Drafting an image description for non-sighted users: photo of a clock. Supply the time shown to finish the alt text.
12:54
